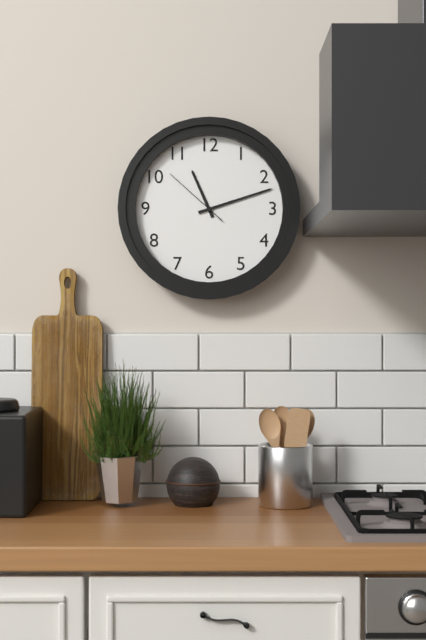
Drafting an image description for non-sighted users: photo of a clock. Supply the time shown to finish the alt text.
11:12:52
